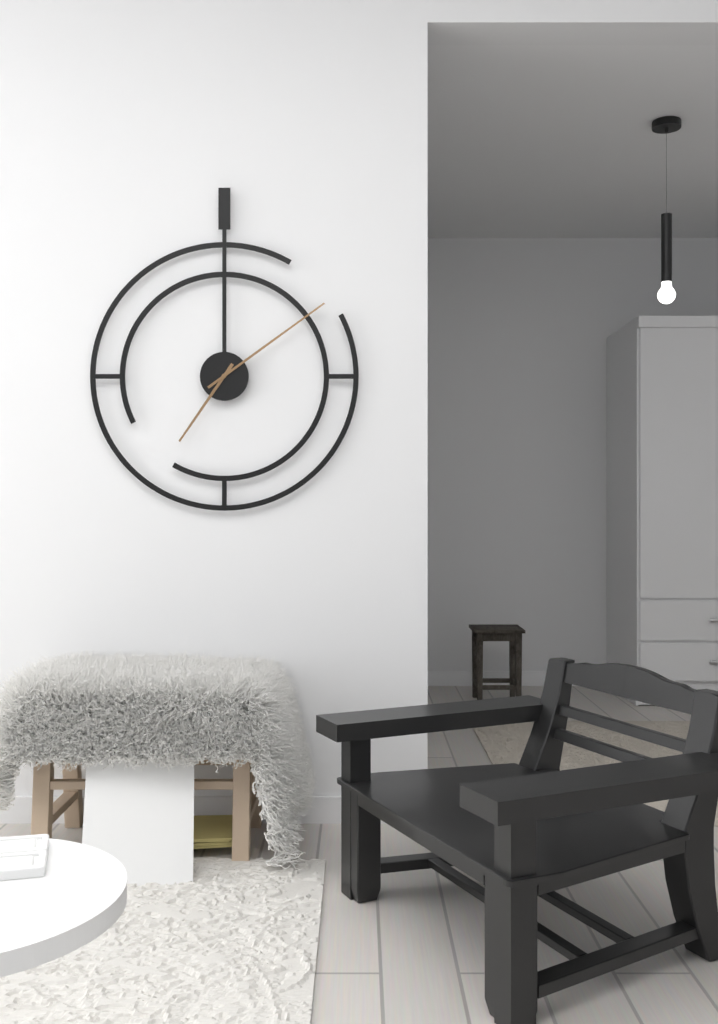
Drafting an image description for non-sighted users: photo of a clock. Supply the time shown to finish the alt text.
7:09
